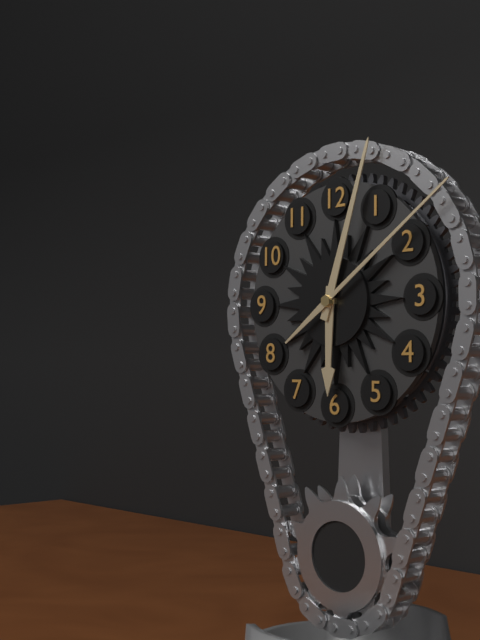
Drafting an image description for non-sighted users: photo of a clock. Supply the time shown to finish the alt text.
6:03:09
